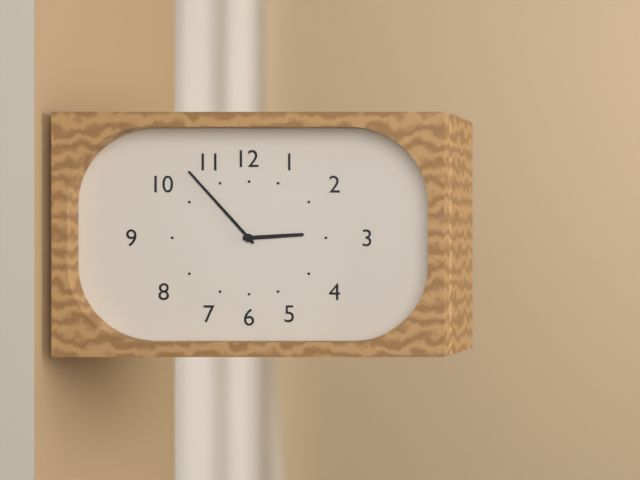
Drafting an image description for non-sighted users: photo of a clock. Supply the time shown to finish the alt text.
2:53
